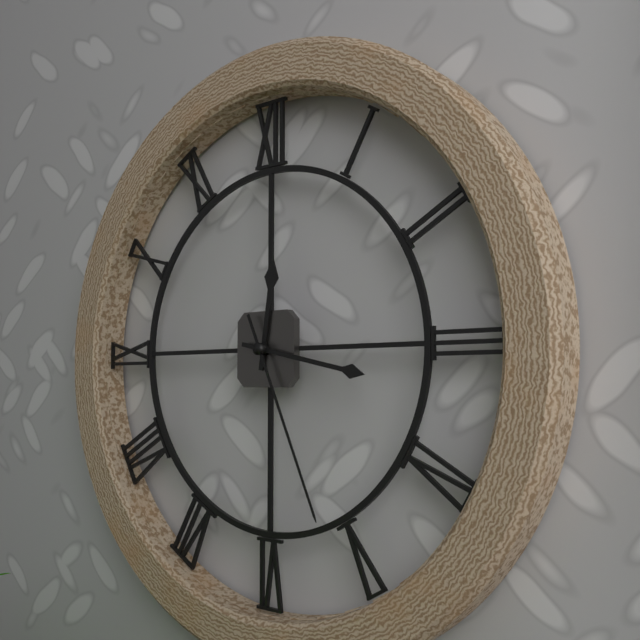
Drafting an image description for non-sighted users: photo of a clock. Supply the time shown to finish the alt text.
12:17:26
